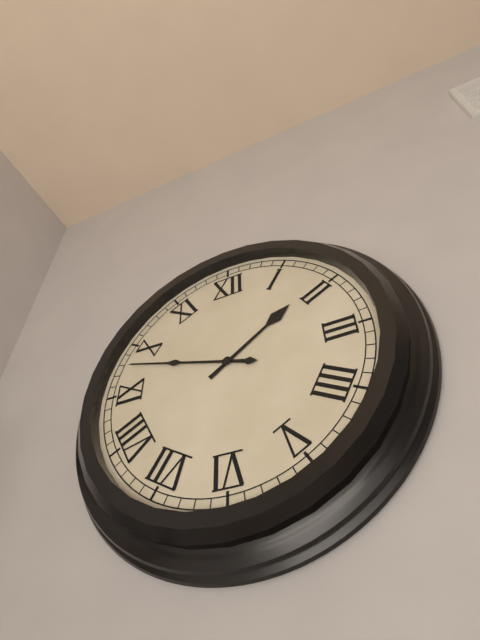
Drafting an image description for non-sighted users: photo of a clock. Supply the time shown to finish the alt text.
1:48
